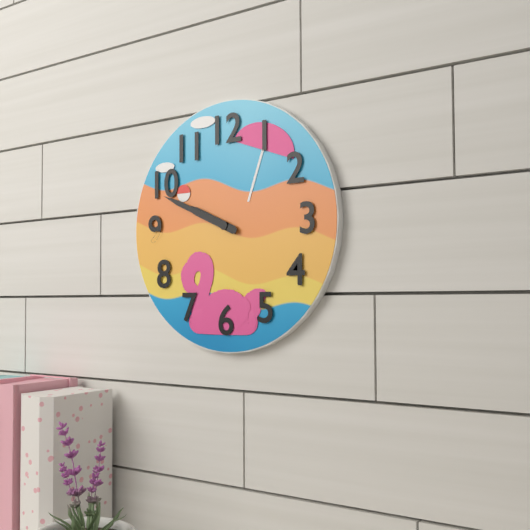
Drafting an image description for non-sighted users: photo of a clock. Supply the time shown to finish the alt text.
9:49
